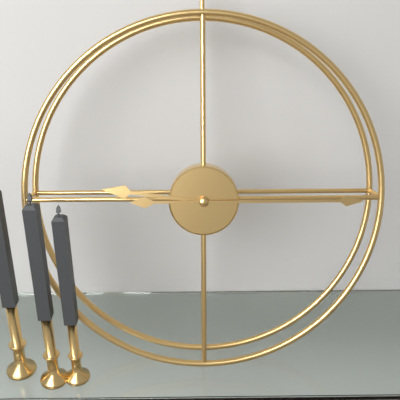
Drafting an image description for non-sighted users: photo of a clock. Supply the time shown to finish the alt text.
9:15
